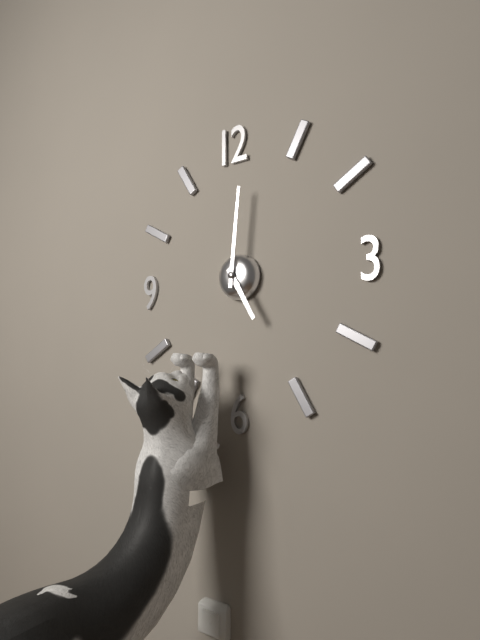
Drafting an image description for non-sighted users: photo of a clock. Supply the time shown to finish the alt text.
5:01
